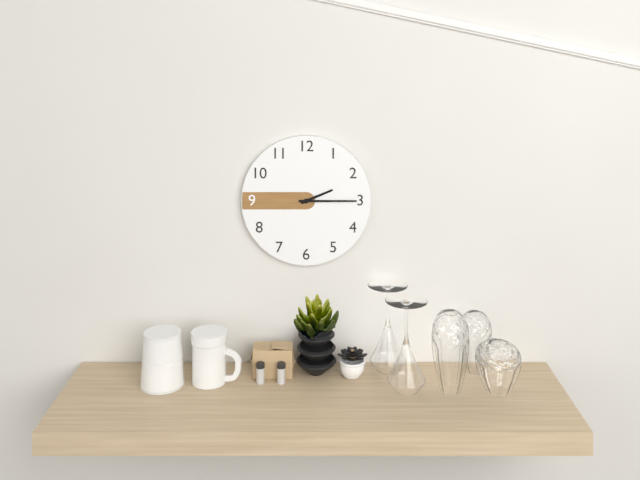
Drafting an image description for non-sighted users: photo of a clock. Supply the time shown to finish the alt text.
2:15
